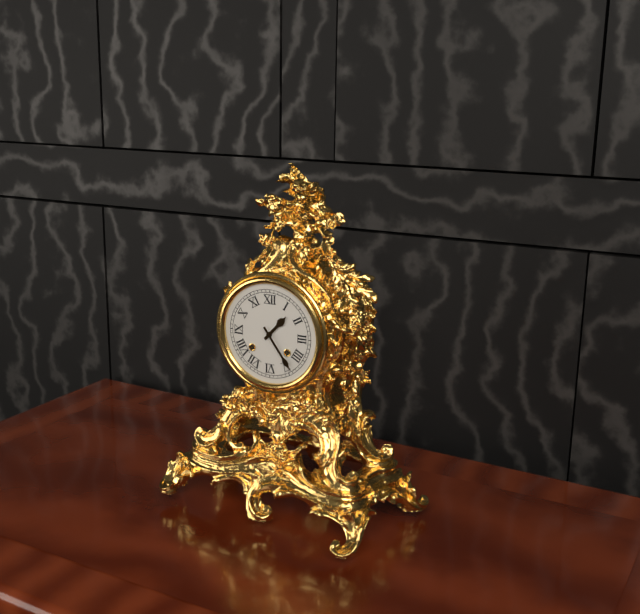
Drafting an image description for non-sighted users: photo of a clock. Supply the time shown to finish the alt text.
1:24
